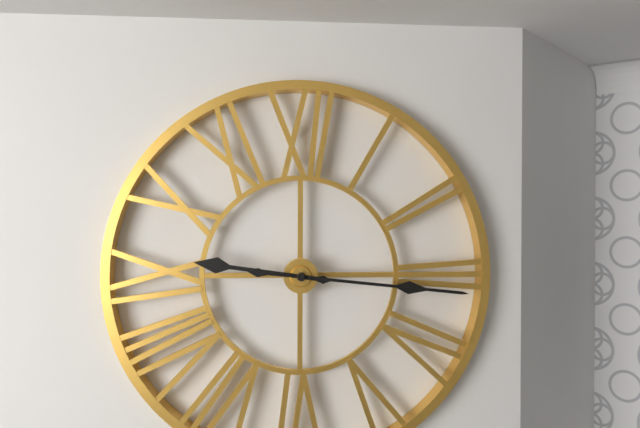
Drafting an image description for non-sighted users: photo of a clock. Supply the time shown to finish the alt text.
9:16
